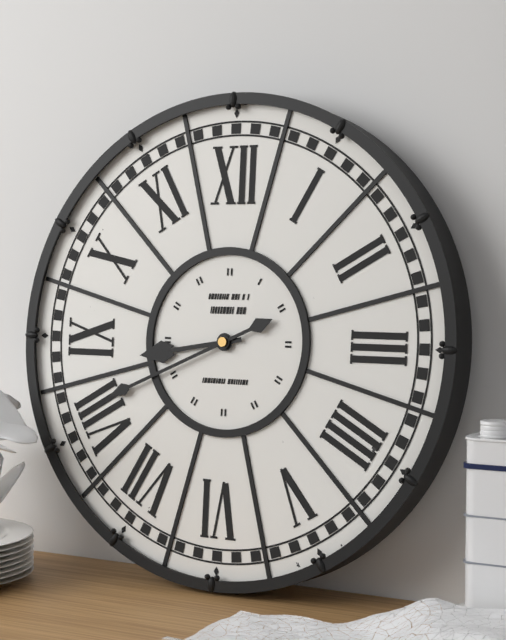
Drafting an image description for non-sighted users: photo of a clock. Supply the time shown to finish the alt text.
8:41
